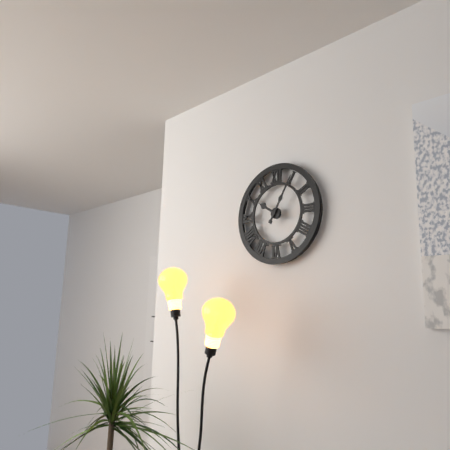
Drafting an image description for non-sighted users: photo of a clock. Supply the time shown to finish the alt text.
10:05
